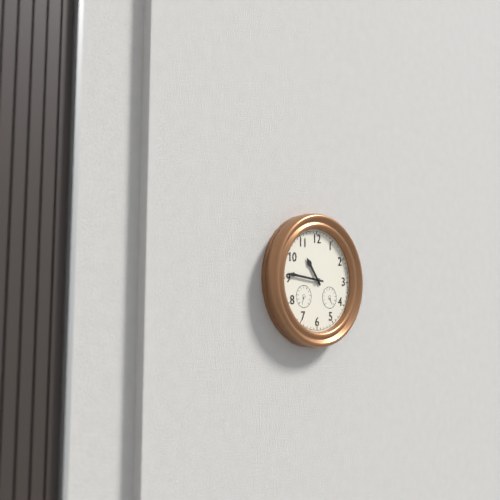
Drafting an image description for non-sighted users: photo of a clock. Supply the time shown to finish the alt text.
10:46
